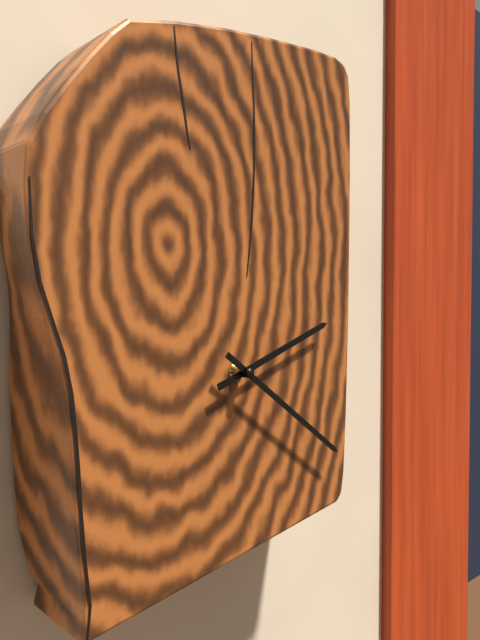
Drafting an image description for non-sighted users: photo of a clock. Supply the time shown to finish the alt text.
2:21
